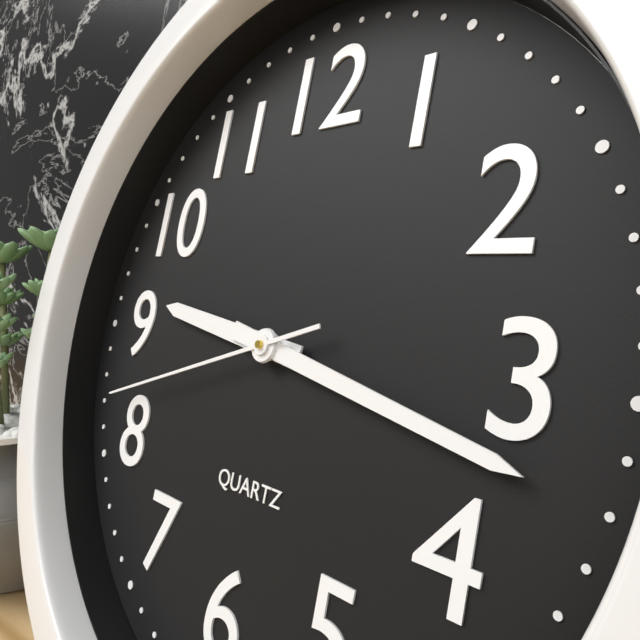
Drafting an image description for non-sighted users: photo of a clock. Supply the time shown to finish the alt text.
9:17:42
